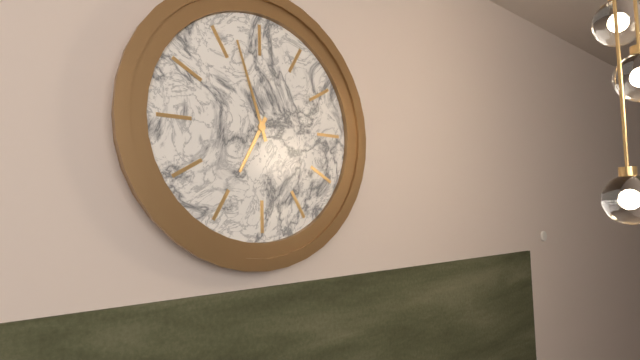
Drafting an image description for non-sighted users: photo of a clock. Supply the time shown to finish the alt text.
6:57
